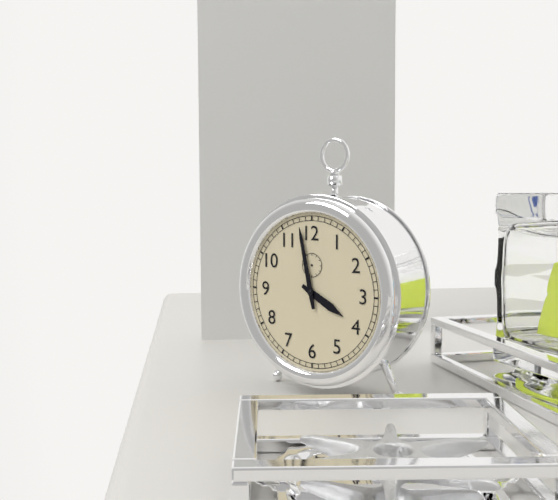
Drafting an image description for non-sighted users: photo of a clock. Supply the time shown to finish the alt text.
3:58
